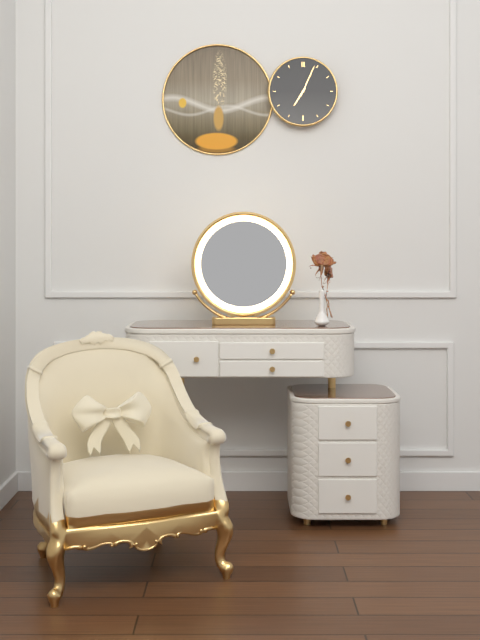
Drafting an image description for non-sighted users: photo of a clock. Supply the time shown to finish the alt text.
7:04
